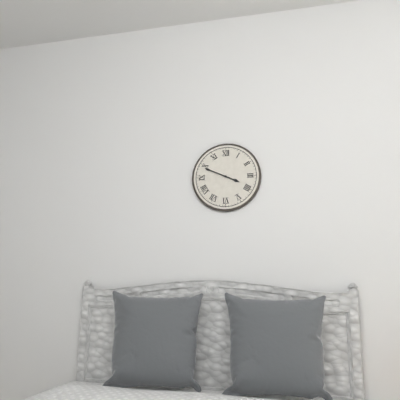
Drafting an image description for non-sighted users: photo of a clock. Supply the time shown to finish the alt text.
3:49
